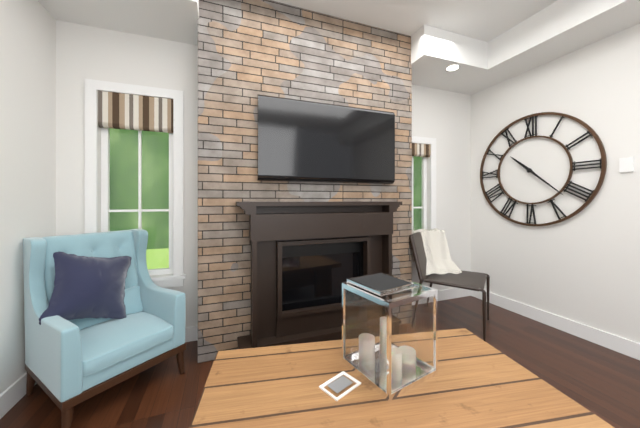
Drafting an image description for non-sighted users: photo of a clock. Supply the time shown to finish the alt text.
10:22
